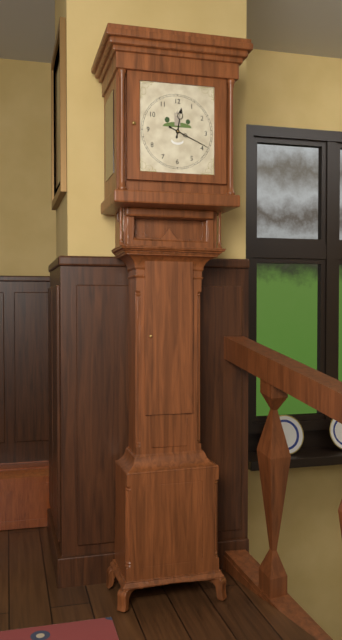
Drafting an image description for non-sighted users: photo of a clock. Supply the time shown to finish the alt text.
12:19
